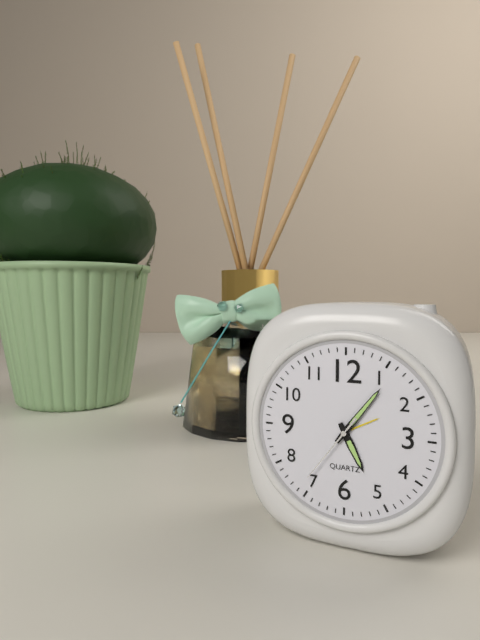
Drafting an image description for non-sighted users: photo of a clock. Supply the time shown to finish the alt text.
5:06:36
